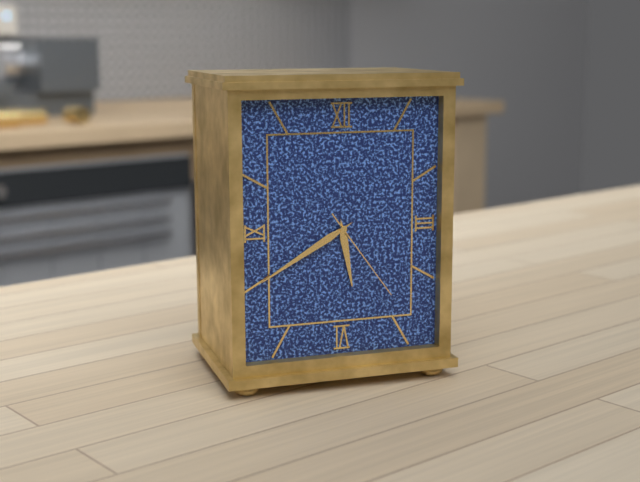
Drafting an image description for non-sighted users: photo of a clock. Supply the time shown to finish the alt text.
5:40:24
